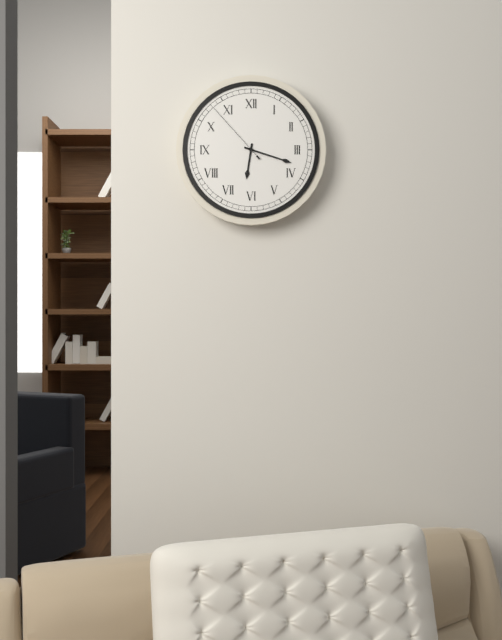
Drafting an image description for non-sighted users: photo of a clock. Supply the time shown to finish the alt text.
6:18:53
